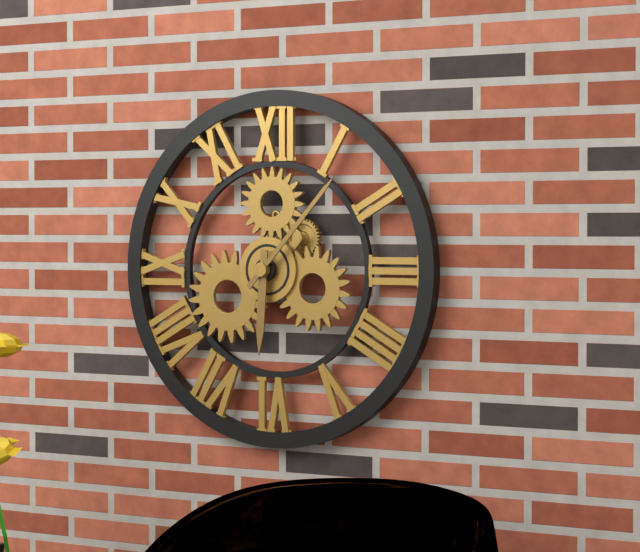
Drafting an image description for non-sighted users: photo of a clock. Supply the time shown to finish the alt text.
6:07
